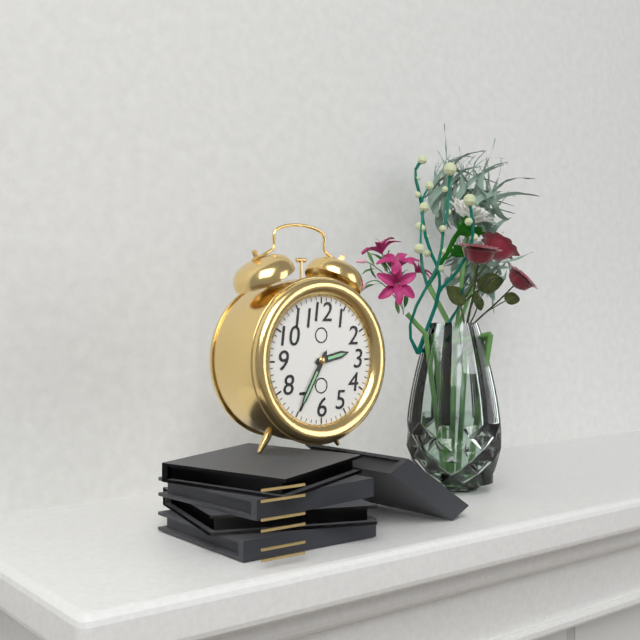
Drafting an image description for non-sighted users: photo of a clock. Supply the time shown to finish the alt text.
2:35
